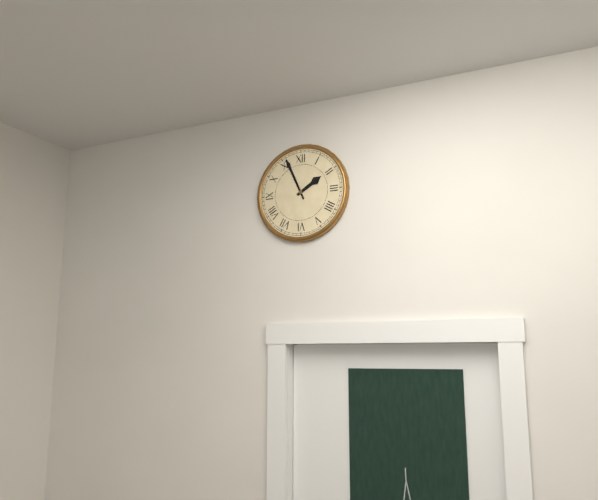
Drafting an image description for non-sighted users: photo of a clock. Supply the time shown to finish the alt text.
1:56
